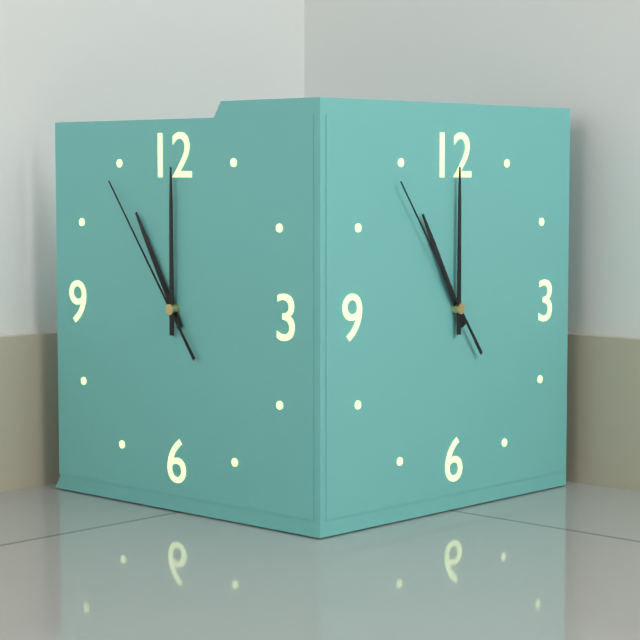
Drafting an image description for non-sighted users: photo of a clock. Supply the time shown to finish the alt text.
11:00:54
